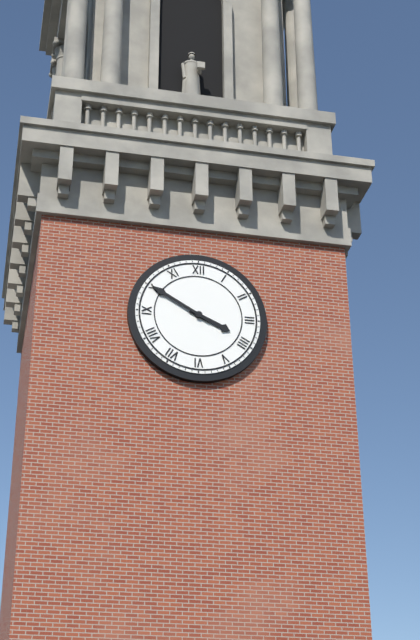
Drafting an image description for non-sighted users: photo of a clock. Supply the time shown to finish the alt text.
3:50
